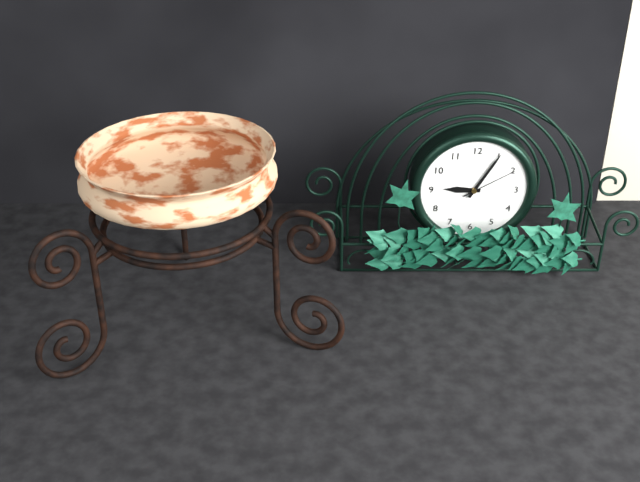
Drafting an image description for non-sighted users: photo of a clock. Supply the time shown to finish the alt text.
9:05:10
